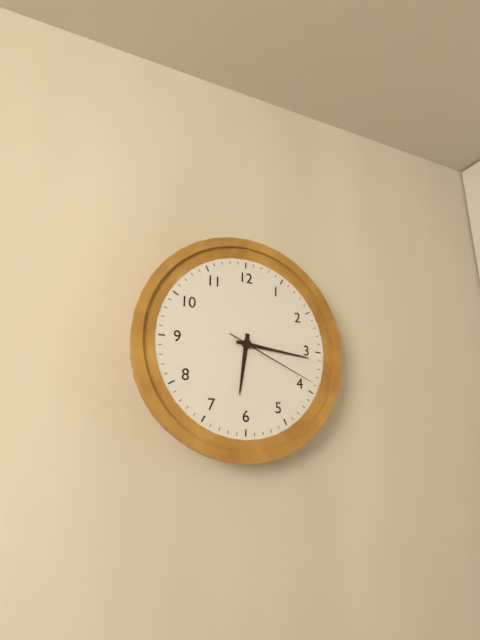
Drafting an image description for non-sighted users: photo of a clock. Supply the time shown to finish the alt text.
6:16:19
